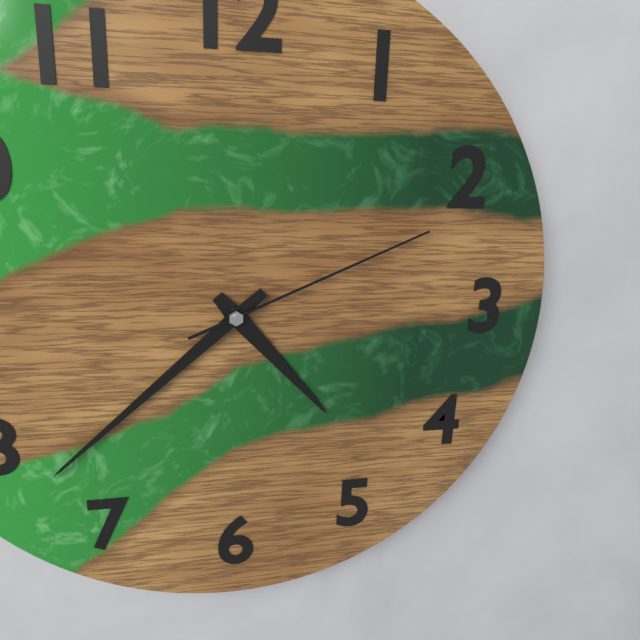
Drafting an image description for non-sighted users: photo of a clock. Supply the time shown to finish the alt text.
4:38:11
